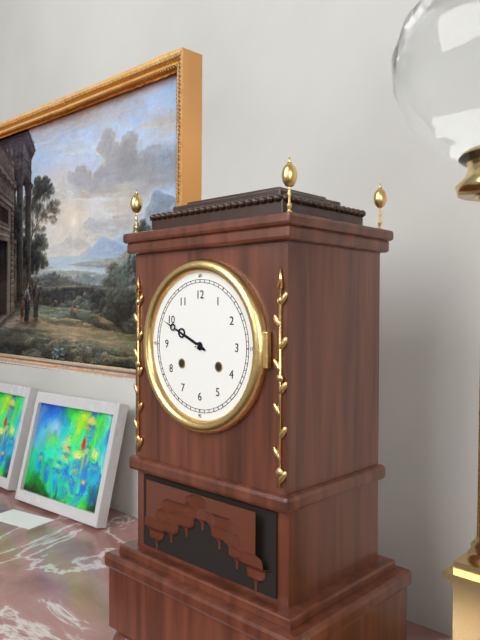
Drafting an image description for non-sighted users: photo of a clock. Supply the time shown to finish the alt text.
9:49
